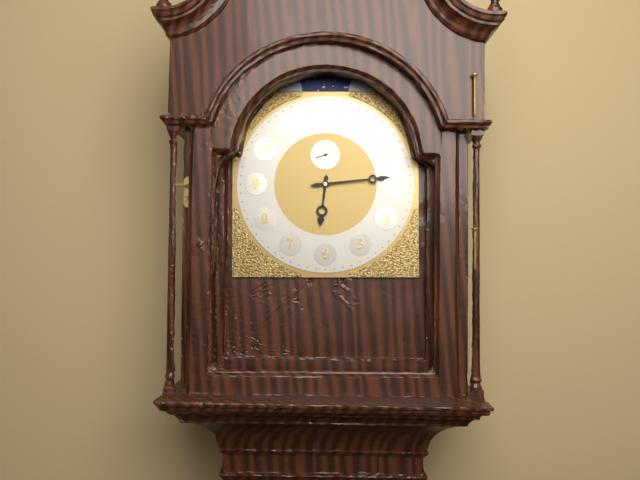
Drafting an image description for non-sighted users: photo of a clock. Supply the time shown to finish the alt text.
6:14
